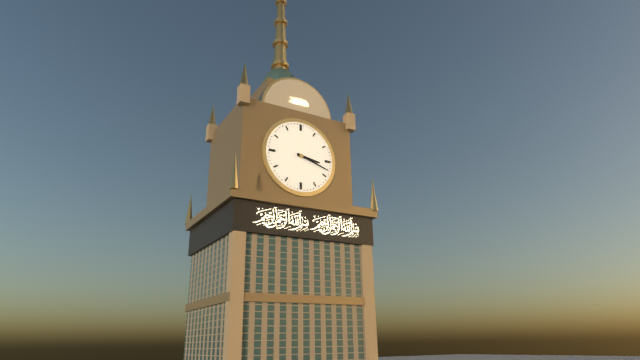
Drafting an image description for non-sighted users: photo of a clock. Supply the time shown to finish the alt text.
3:18
